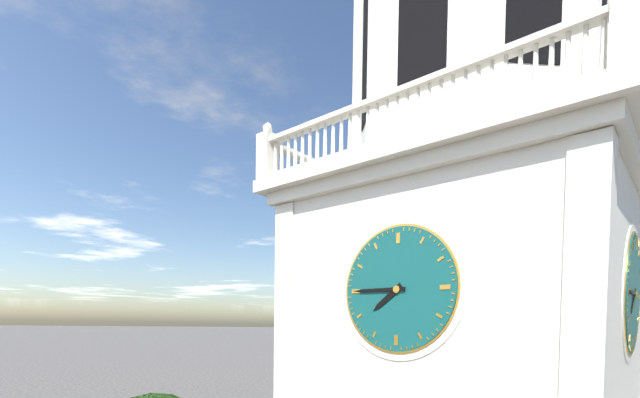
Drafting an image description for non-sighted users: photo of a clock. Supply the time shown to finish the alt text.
7:45
